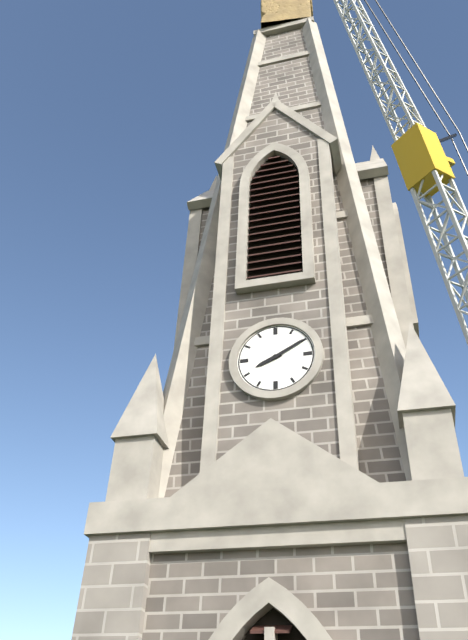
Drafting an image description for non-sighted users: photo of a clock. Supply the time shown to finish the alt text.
8:10
